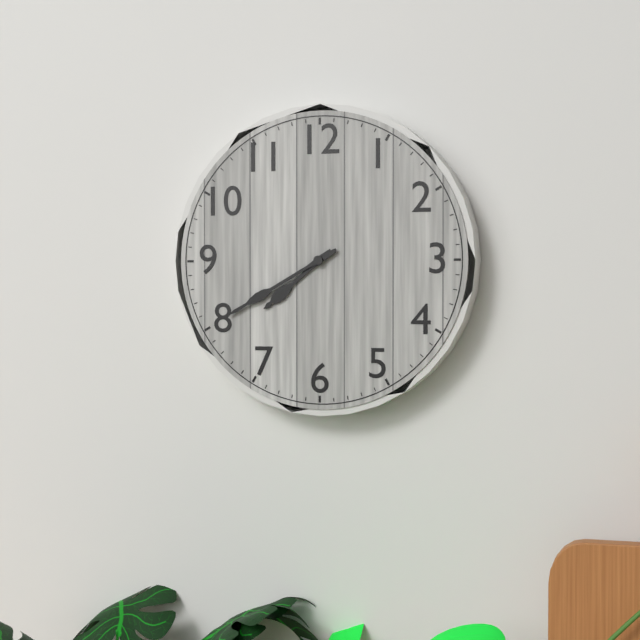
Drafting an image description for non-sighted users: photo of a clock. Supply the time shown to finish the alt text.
7:40
